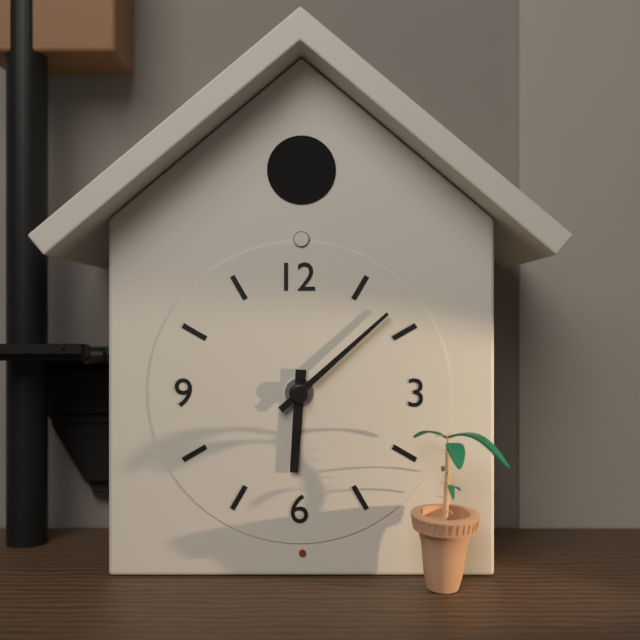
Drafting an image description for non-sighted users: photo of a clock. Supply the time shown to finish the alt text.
6:08
